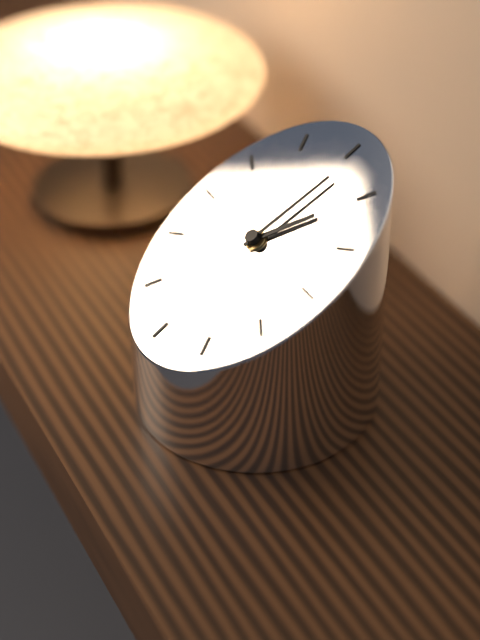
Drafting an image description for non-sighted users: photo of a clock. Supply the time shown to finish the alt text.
1:01
